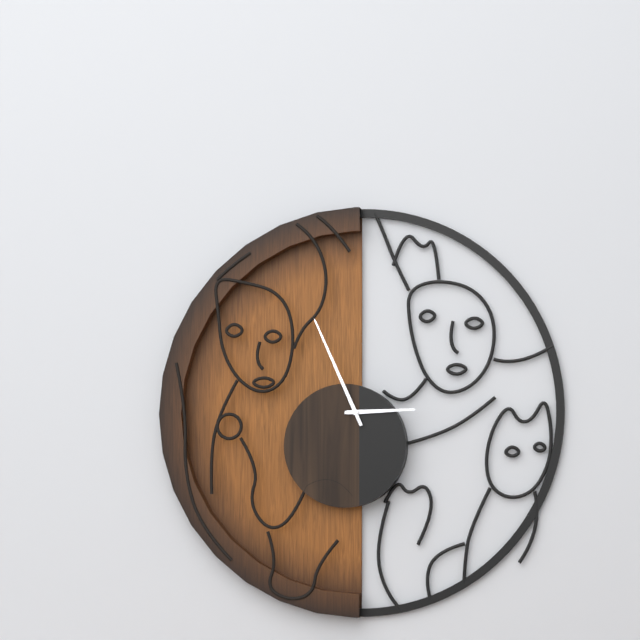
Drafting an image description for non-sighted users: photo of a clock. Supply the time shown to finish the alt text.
2:56
